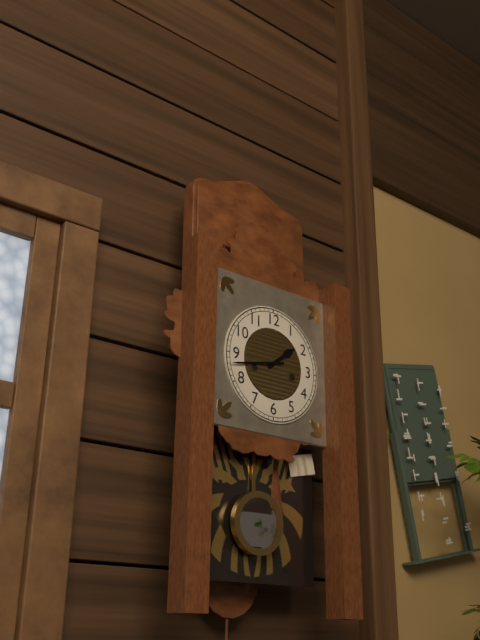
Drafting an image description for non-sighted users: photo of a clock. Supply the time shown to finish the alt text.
1:43
